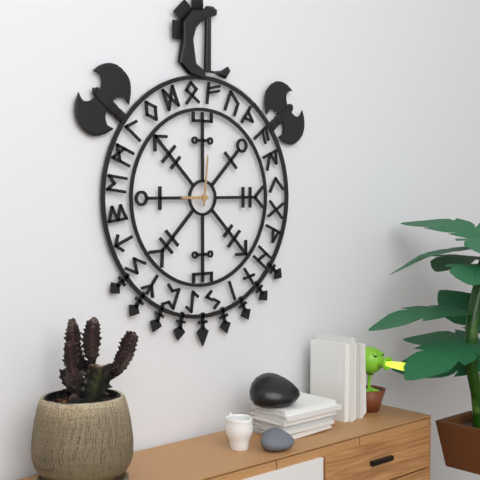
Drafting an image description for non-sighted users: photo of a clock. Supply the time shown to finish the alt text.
9:01
